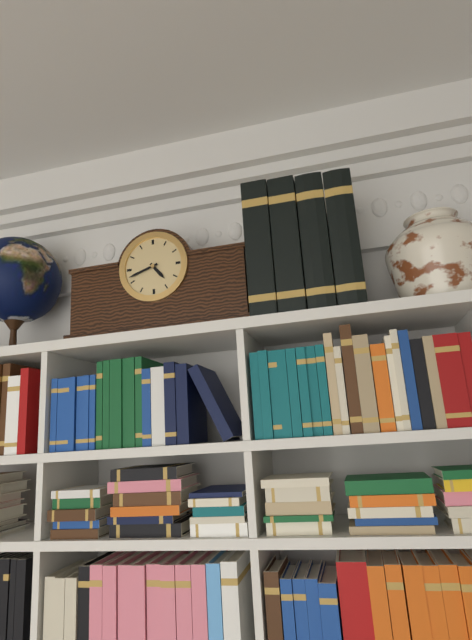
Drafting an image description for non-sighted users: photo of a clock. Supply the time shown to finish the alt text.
4:42
